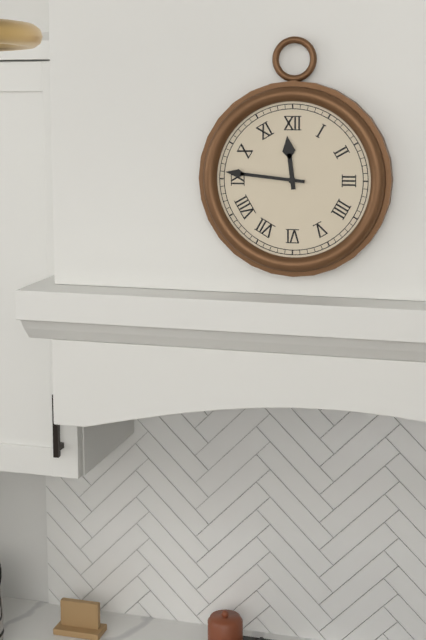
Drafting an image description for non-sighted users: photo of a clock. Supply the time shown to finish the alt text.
11:46
